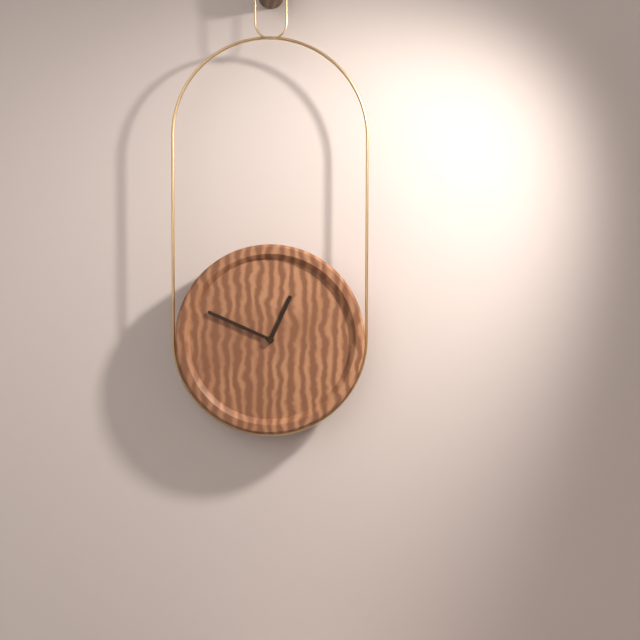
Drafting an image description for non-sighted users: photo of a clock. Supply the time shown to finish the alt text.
12:49
